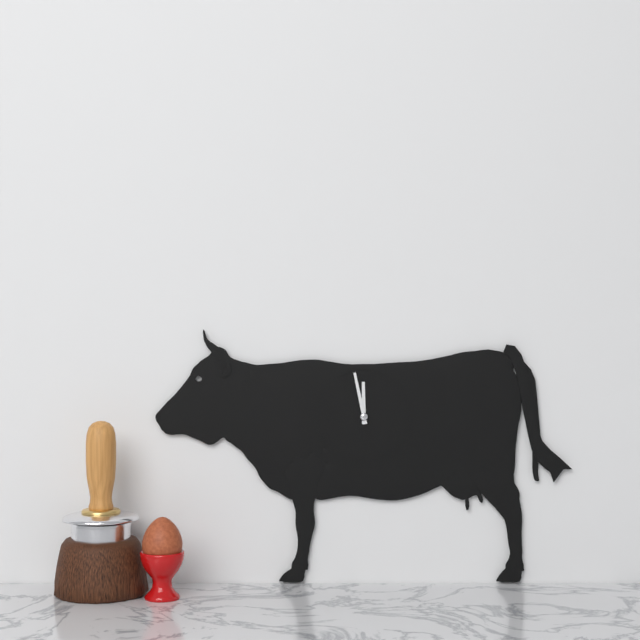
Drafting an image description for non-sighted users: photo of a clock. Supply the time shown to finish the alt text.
11:58
